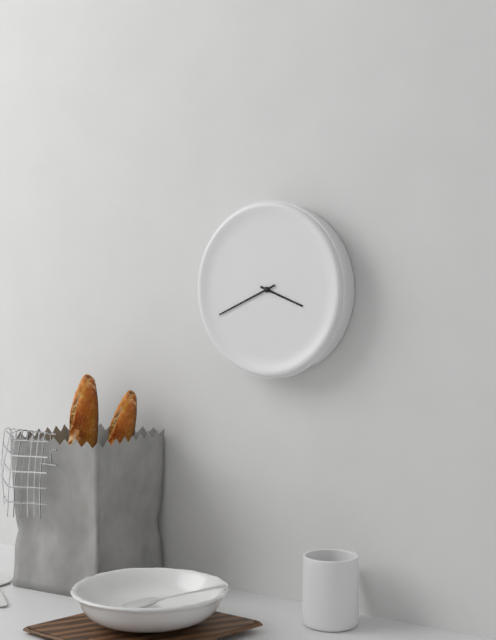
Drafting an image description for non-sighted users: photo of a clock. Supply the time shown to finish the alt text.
3:41
